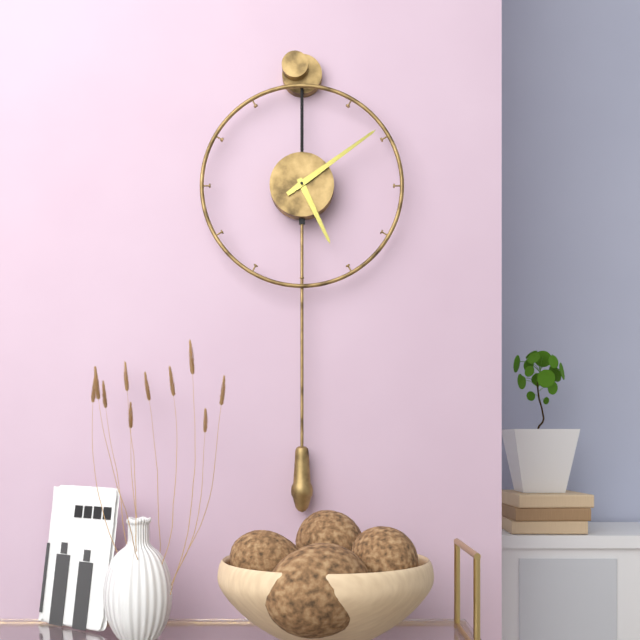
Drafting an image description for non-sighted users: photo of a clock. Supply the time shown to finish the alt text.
5:09
